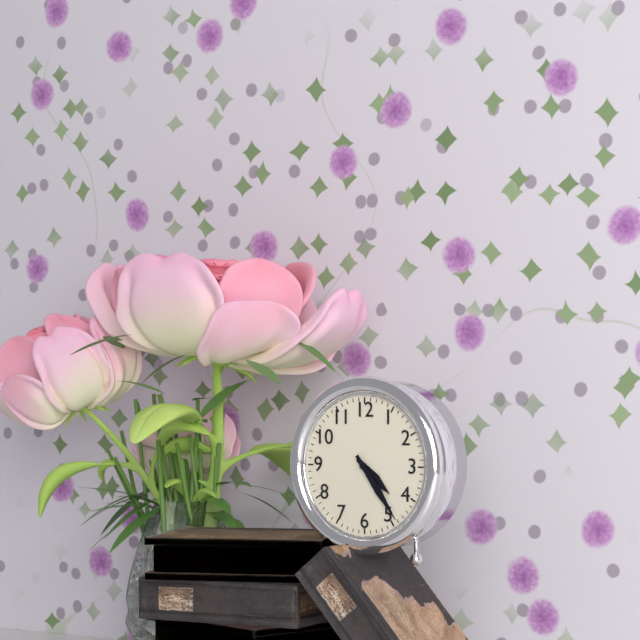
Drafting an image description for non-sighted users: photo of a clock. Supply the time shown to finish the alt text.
4:24
